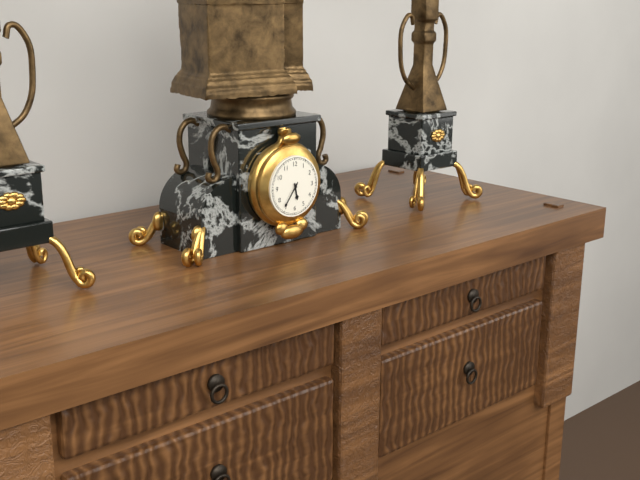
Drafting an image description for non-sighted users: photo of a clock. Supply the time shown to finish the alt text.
5:36
